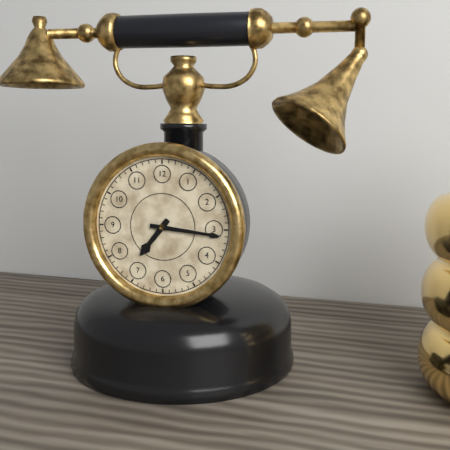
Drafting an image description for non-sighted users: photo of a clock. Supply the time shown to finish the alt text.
7:16
